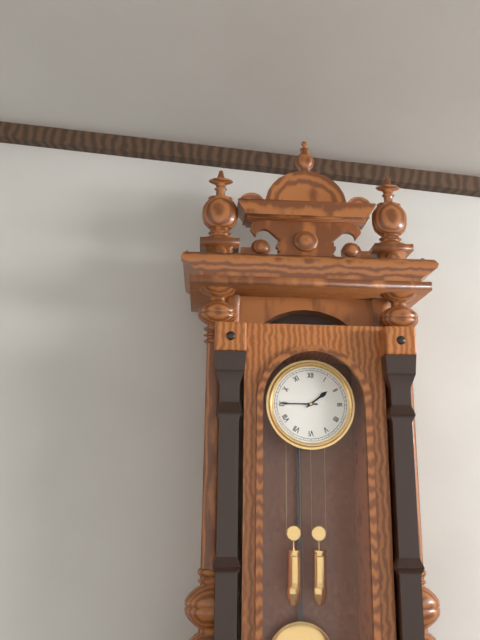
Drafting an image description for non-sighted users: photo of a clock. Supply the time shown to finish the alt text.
1:45
